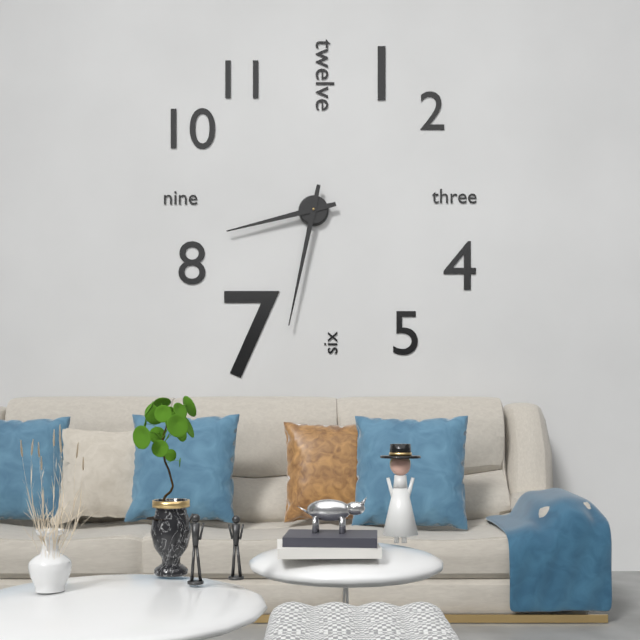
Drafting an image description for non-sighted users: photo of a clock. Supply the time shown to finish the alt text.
8:32
